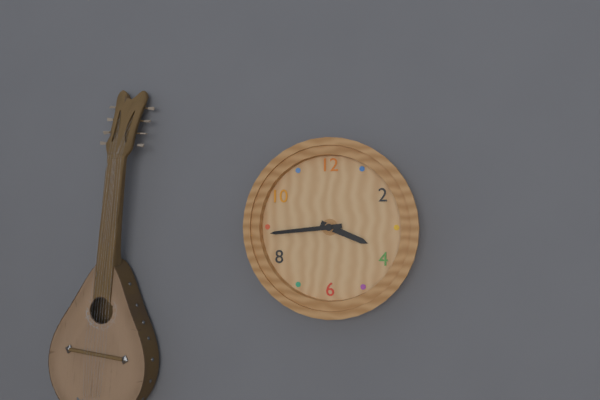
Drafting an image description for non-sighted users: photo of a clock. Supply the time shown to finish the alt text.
3:44
